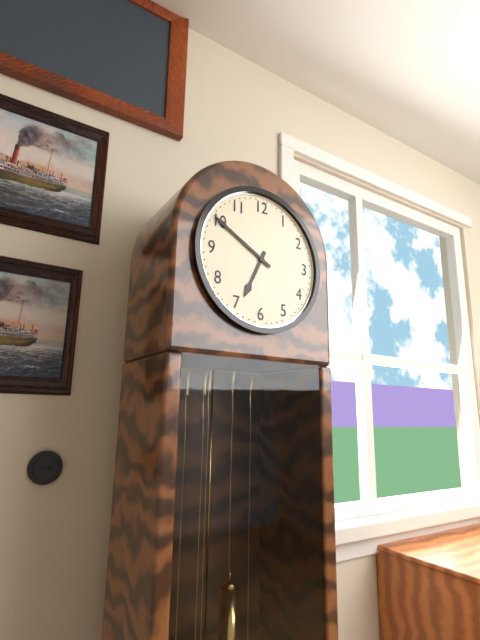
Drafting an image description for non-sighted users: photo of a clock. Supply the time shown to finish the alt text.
6:50
